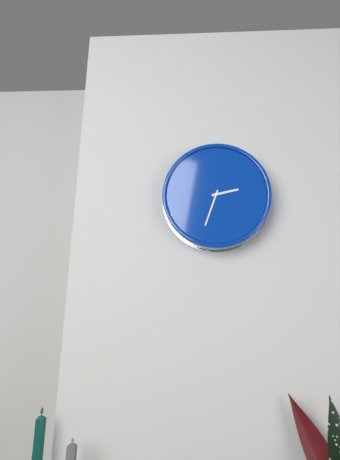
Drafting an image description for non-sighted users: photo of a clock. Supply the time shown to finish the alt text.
2:33
